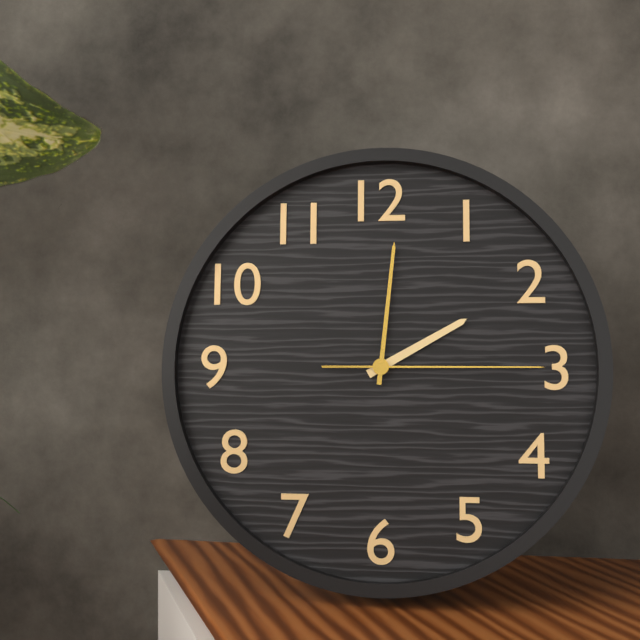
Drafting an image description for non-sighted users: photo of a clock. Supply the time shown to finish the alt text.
2:01:15
